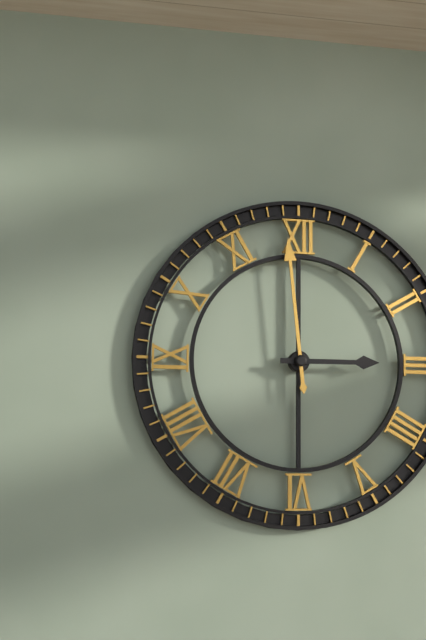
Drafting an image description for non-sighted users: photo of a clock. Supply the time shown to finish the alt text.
2:59
